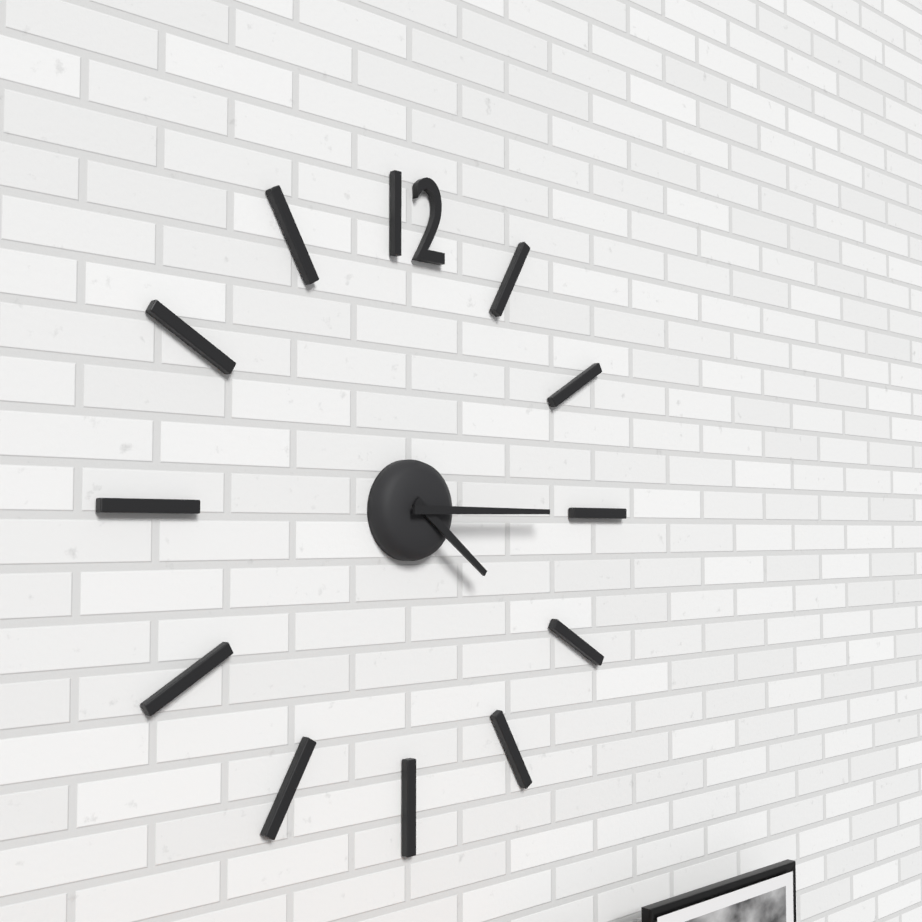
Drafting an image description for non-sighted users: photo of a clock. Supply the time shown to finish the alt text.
4:15
